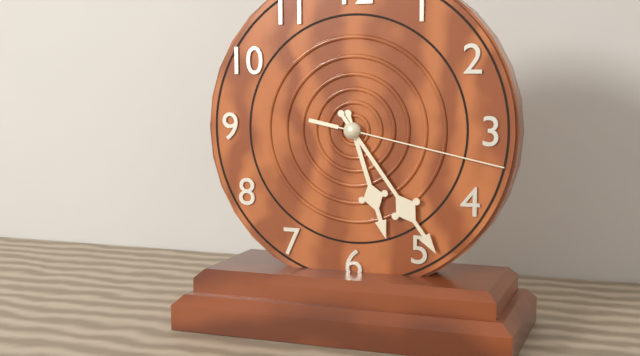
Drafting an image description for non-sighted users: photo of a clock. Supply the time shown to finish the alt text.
5:24:17
